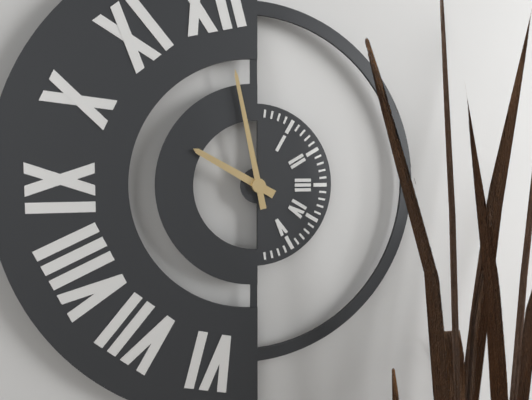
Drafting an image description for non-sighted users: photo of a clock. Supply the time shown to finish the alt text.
9:58
